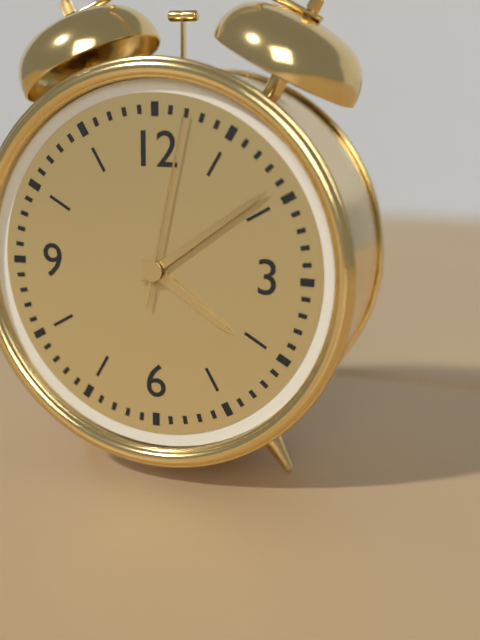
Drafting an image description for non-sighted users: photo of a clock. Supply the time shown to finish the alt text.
4:09:02
